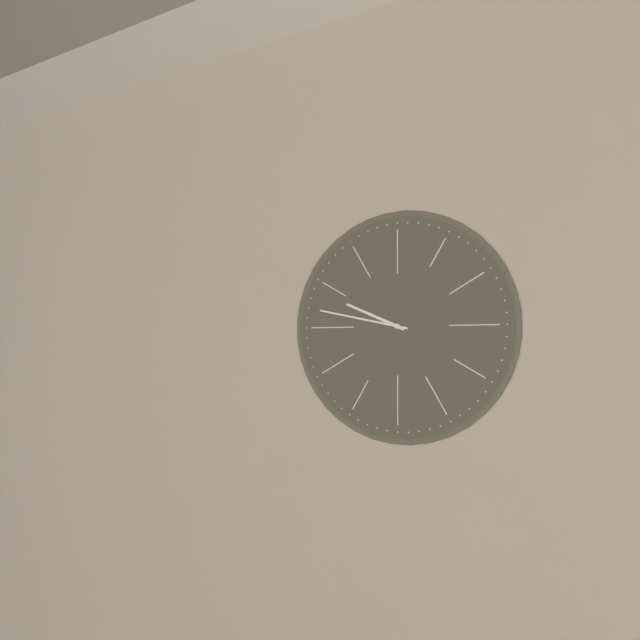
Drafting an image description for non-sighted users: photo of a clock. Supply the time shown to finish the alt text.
9:47
